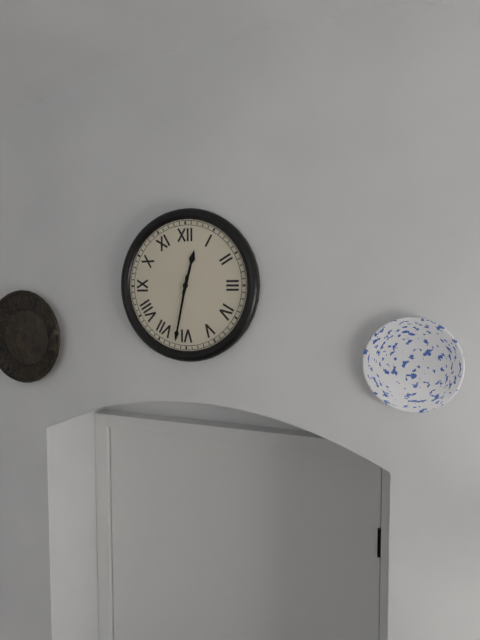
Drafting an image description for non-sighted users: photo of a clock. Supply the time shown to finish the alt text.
12:32
